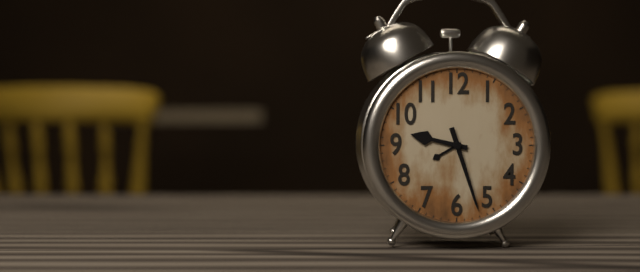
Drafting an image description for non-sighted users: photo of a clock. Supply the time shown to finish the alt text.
9:27
